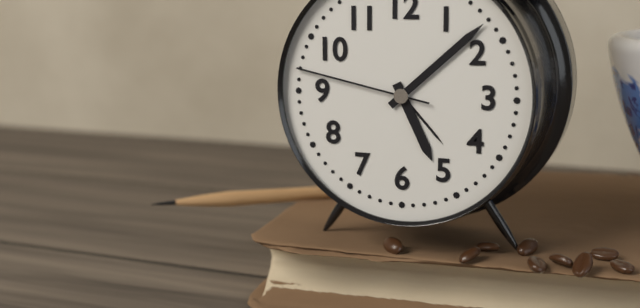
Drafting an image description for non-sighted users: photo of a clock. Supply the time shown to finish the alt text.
5:08:47
